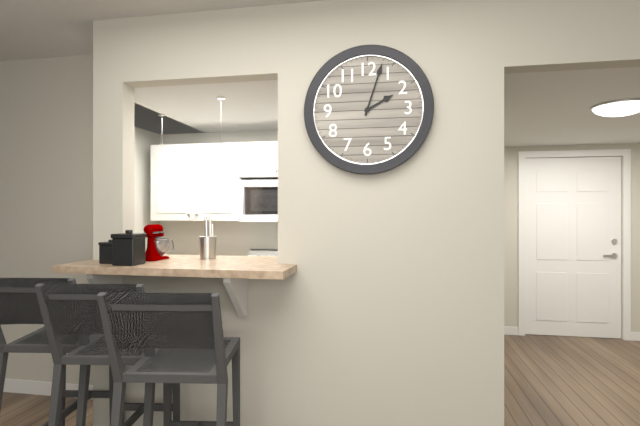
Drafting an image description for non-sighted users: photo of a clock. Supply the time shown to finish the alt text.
2:03
